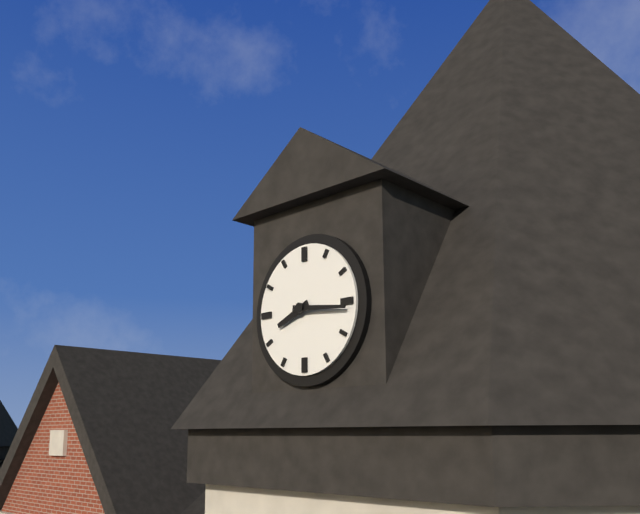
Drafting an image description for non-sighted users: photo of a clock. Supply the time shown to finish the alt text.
8:16
